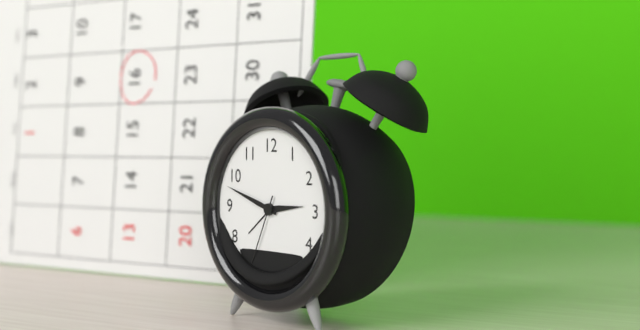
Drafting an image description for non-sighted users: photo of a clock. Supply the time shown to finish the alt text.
2:48:34
